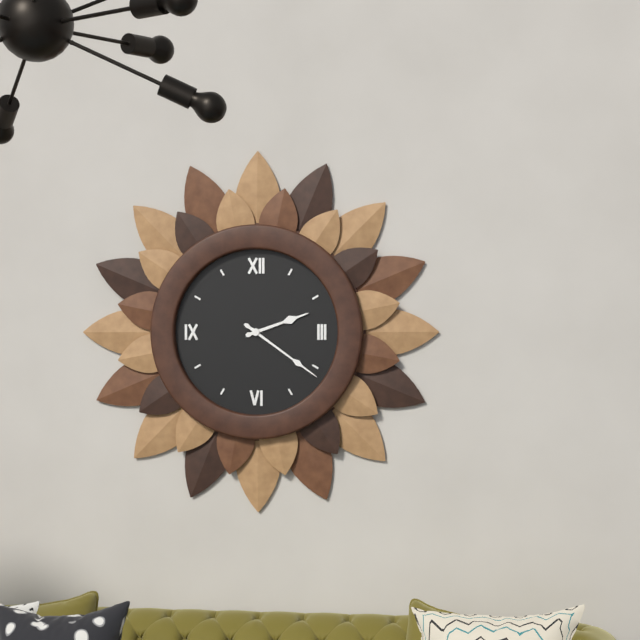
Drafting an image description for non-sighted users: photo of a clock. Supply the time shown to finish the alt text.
2:21
